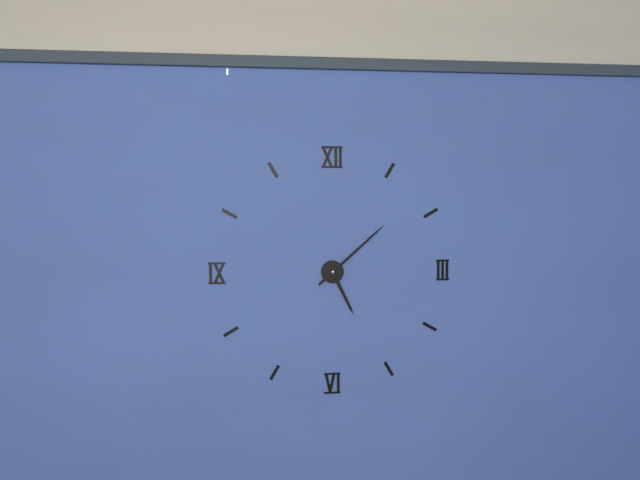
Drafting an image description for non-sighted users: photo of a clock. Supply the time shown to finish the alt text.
5:08
